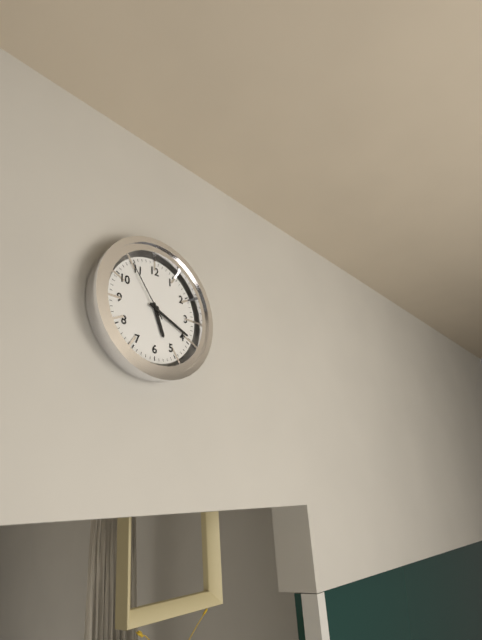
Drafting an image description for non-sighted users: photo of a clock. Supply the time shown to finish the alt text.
5:19:54
